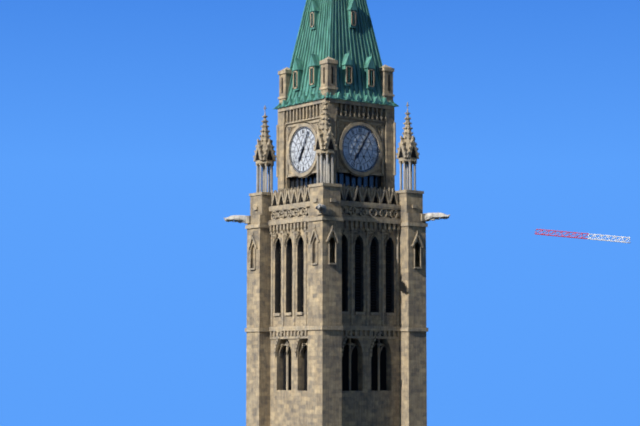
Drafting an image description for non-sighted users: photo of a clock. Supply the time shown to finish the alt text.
7:05
